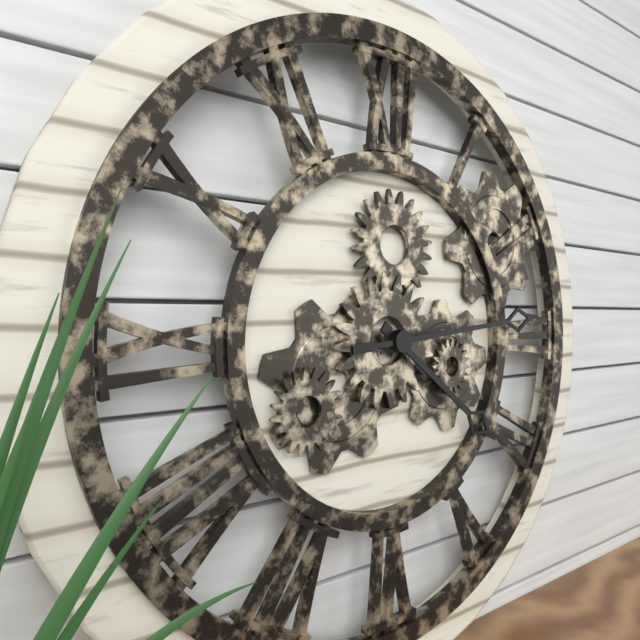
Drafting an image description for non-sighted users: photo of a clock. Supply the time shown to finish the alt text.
4:14
